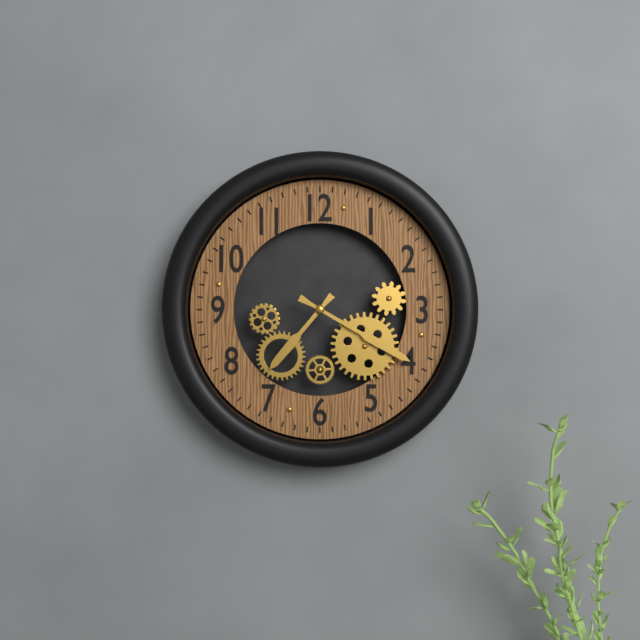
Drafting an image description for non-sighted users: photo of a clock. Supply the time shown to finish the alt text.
7:20
